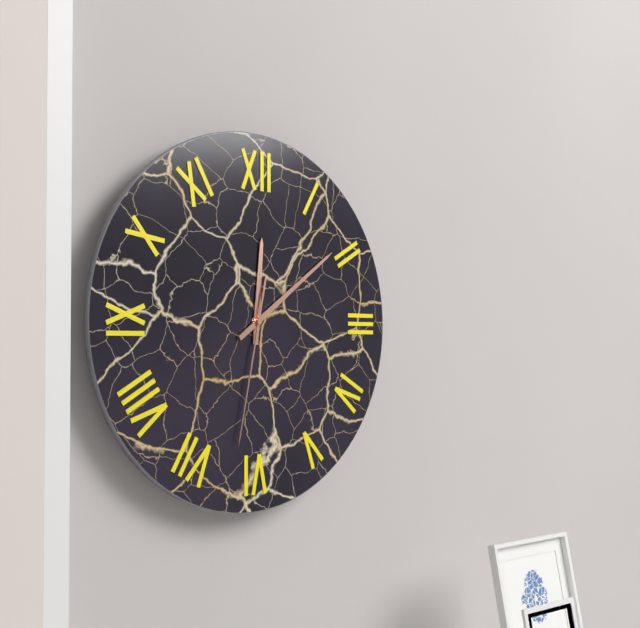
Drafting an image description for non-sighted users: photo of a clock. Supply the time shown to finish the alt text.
12:09:32
